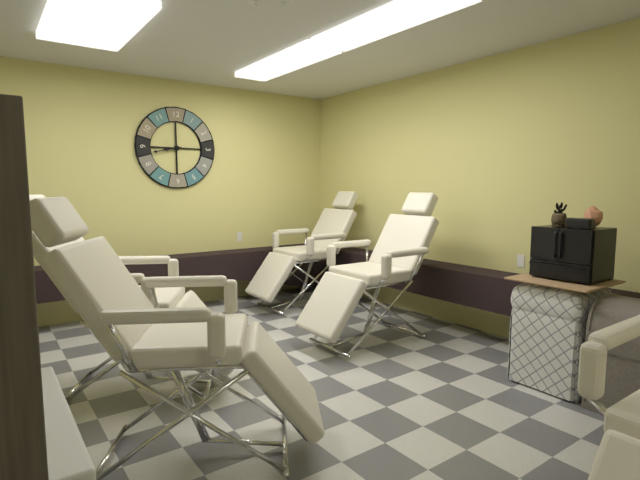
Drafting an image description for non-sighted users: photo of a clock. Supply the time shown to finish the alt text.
8:43
